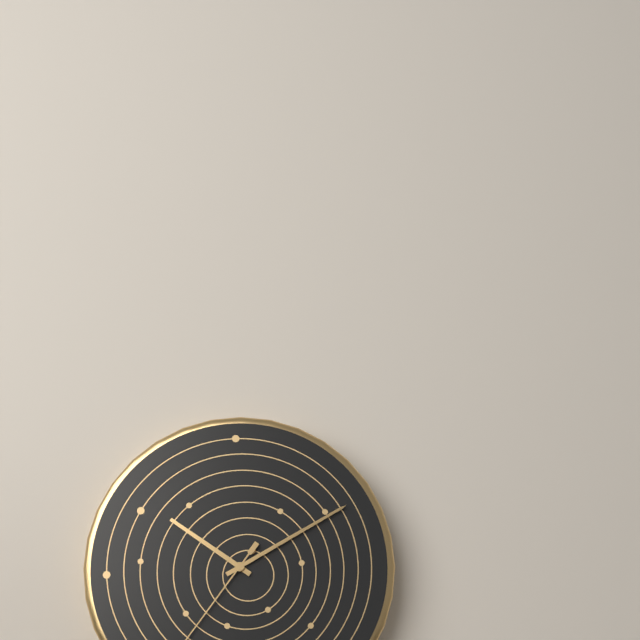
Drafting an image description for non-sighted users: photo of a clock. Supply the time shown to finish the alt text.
10:10
